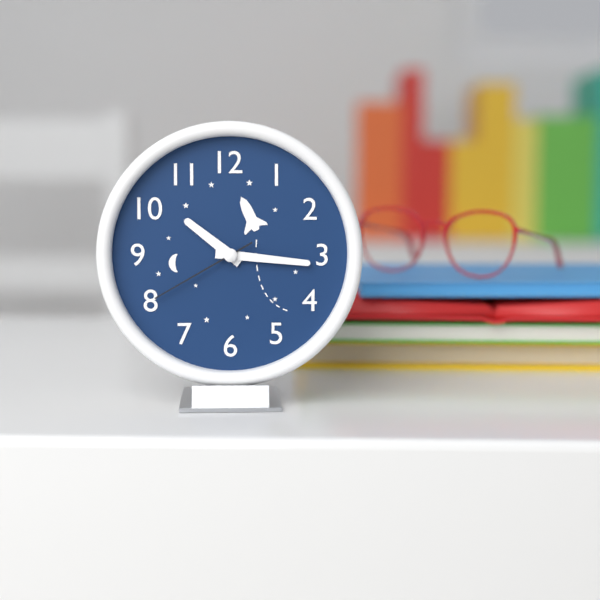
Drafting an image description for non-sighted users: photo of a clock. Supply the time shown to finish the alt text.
10:16:40
